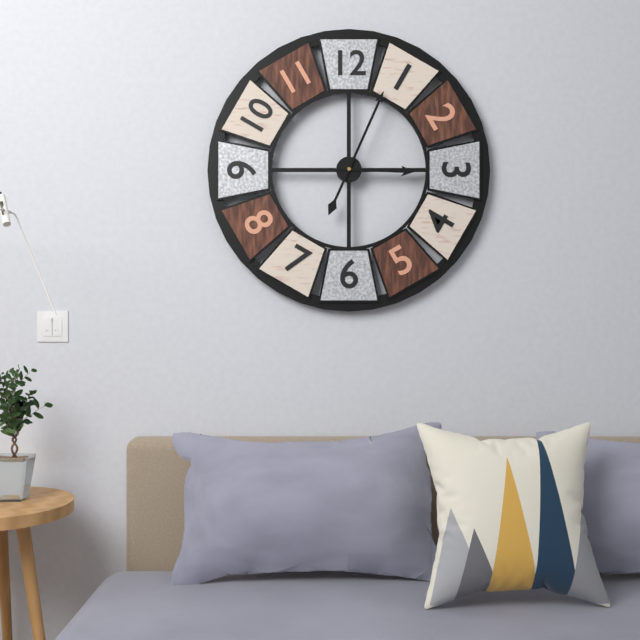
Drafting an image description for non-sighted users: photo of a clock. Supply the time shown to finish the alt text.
3:04
